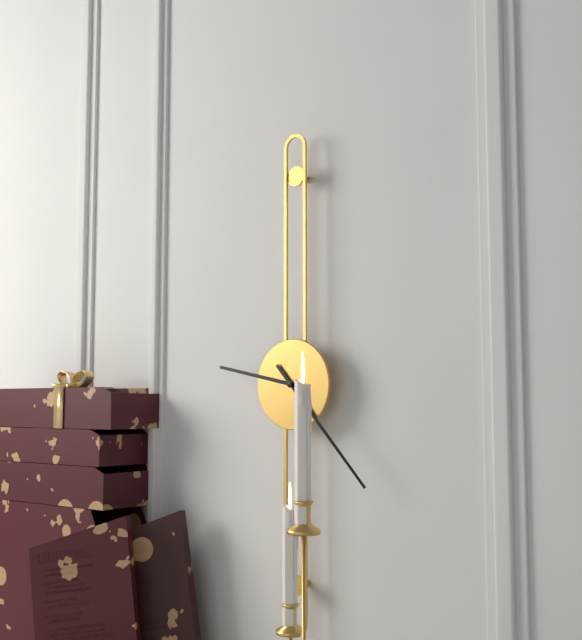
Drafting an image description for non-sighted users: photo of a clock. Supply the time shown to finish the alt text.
9:23
